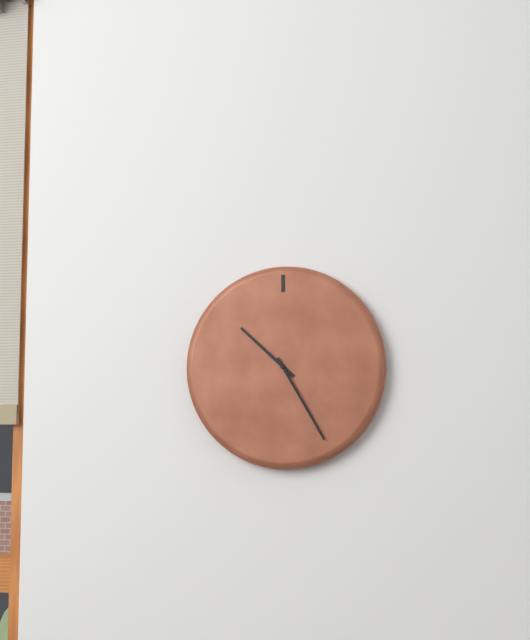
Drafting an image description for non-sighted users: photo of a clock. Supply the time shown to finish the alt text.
10:25
